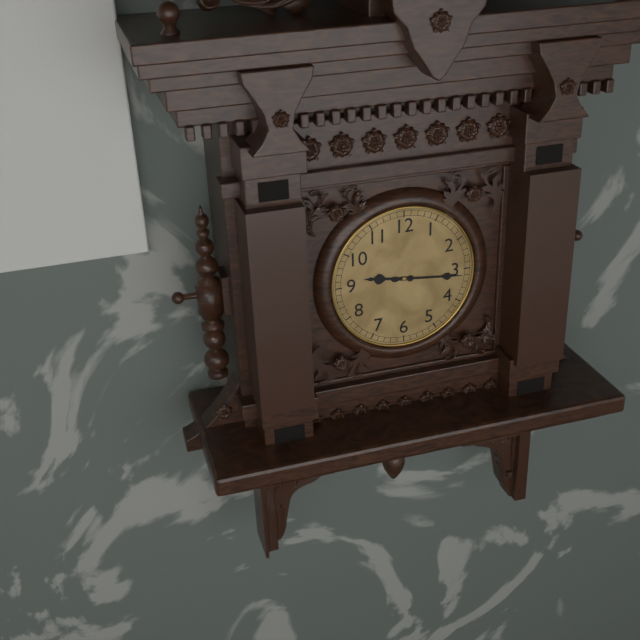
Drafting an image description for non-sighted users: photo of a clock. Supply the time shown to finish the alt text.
9:16
